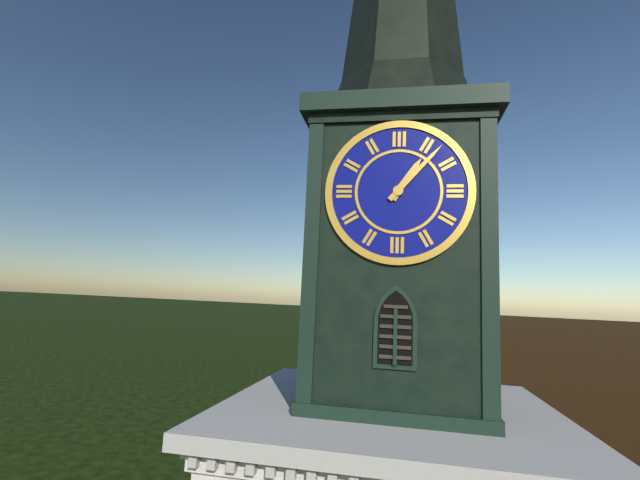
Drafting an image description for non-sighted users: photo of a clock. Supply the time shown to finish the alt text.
1:07
